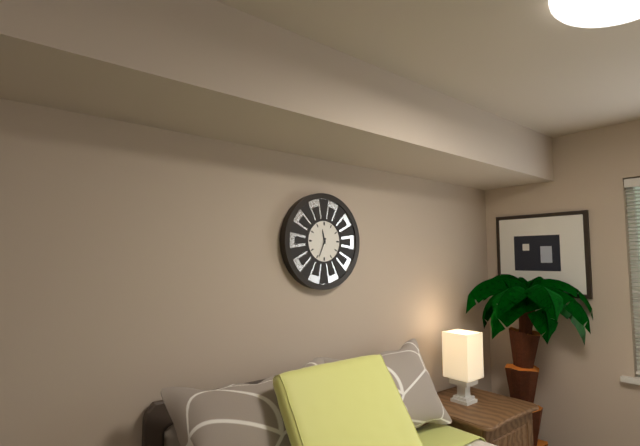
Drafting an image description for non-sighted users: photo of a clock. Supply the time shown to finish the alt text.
11:34
